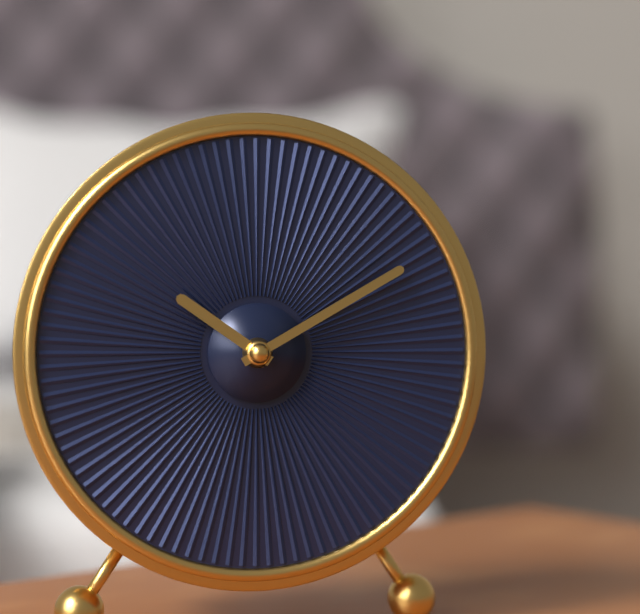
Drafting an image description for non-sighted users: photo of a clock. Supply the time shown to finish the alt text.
10:10
